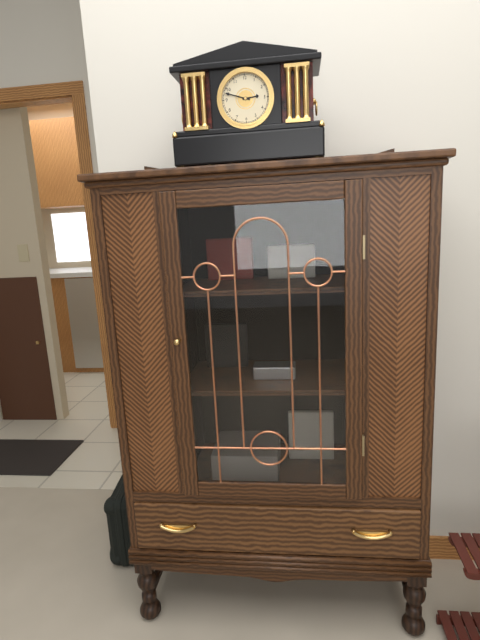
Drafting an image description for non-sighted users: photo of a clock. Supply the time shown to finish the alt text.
2:48
